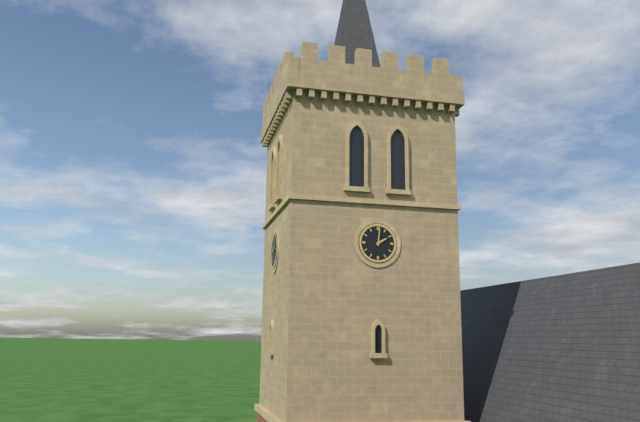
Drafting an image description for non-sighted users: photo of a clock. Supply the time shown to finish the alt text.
2:01
